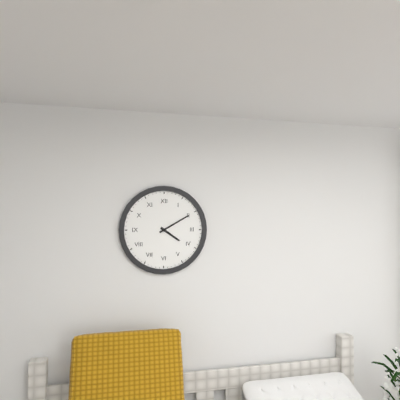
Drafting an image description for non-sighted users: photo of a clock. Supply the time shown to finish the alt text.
4:10
